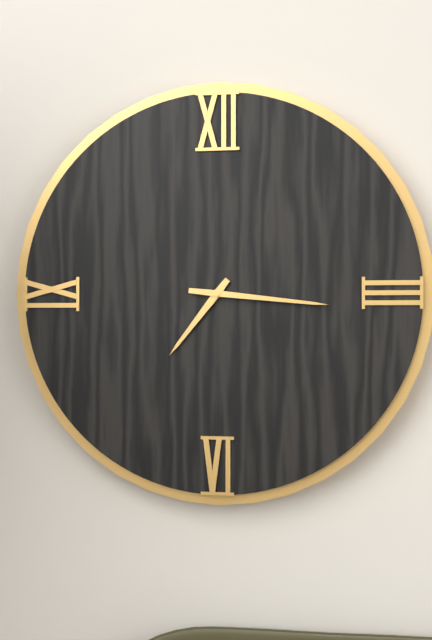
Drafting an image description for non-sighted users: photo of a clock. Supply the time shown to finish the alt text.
7:16
